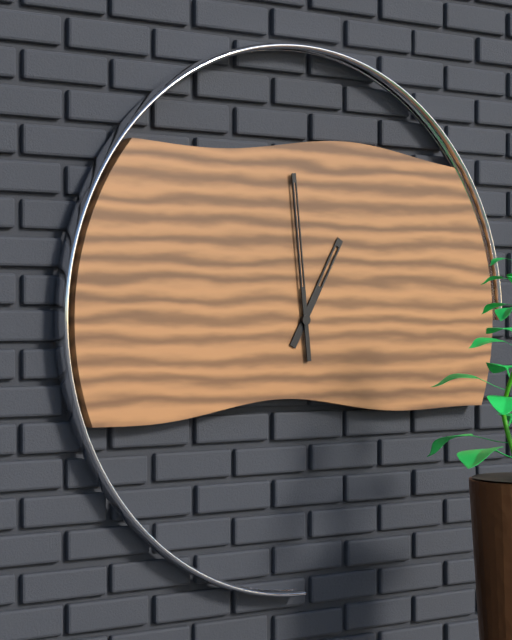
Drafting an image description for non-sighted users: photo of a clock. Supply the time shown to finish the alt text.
12:59
